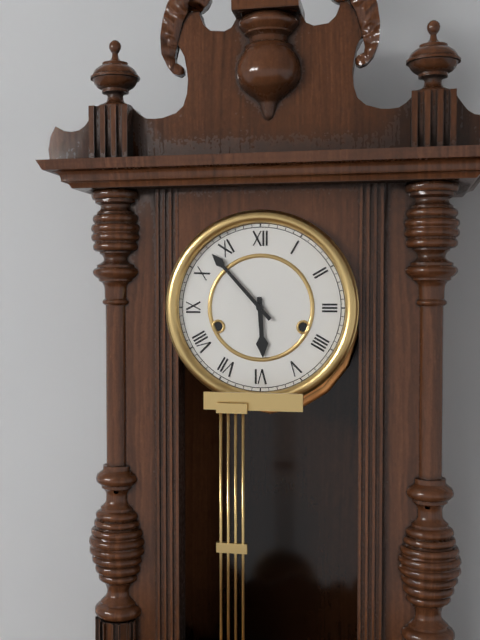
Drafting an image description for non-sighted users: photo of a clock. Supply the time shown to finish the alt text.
5:53
